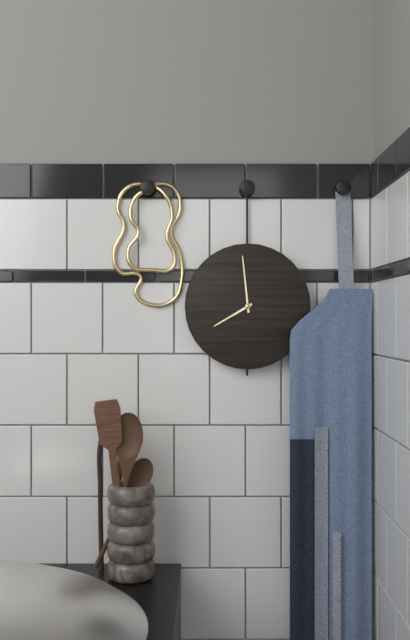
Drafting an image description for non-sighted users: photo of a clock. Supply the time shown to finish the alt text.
7:59
